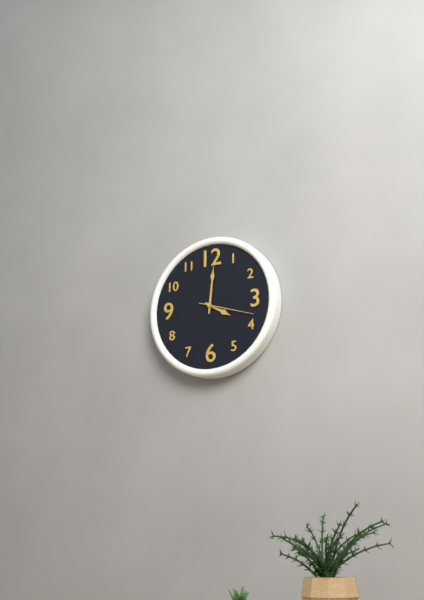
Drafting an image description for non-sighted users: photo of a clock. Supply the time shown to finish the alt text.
4:01:18
